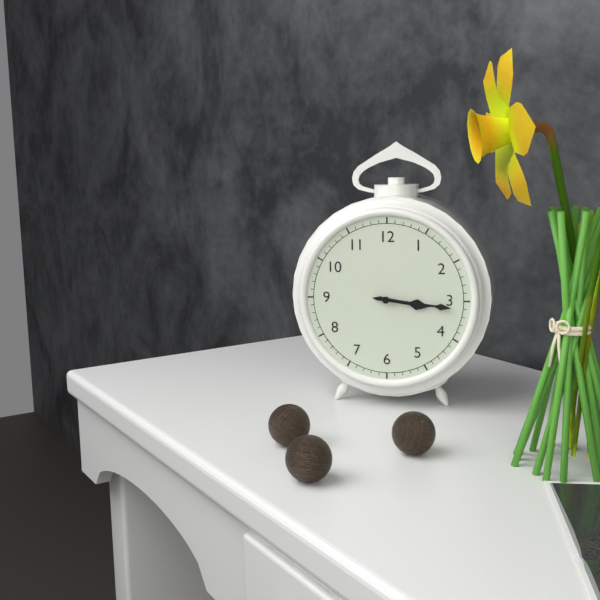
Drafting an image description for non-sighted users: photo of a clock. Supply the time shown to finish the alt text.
3:16
